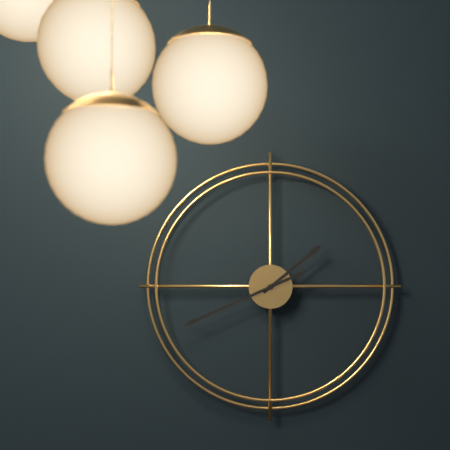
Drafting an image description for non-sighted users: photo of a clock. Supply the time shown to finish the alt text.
1:41
